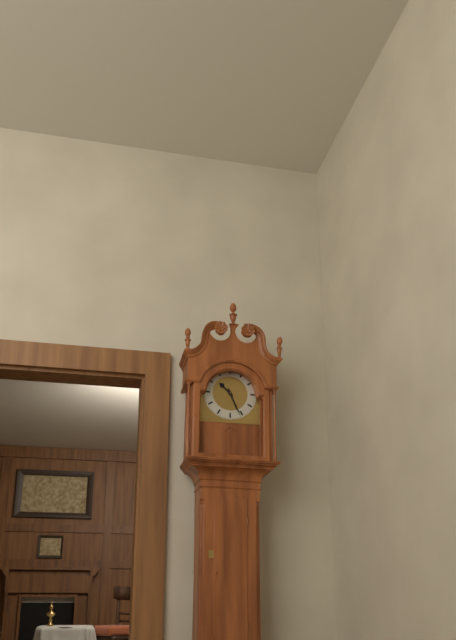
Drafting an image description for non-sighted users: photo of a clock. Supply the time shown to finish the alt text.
10:26
